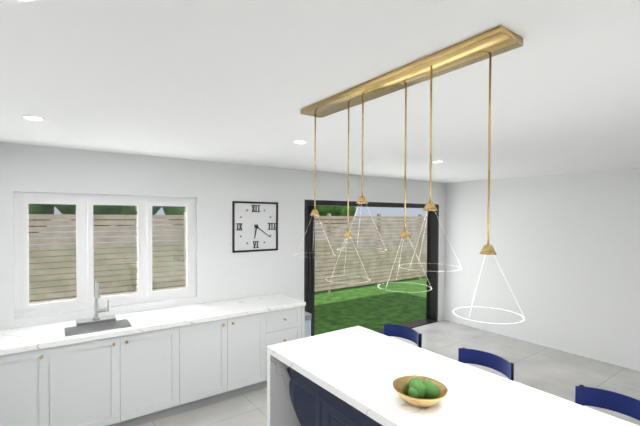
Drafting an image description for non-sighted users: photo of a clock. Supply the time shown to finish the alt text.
6:21
